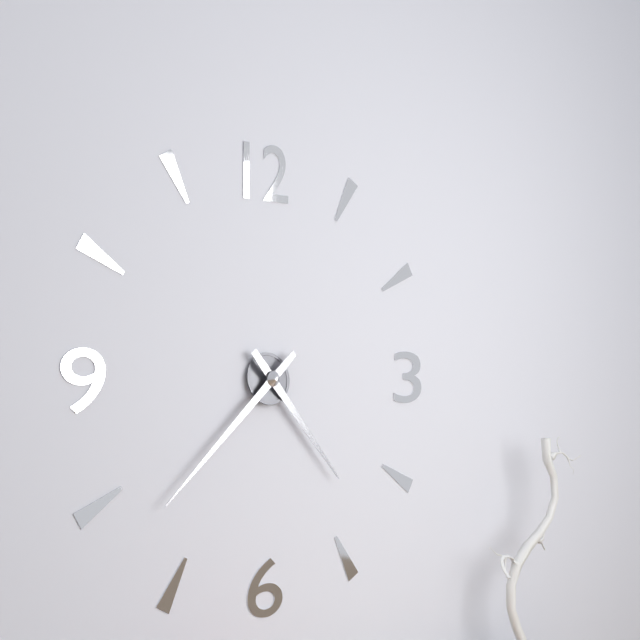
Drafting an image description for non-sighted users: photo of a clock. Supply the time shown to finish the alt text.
4:38
